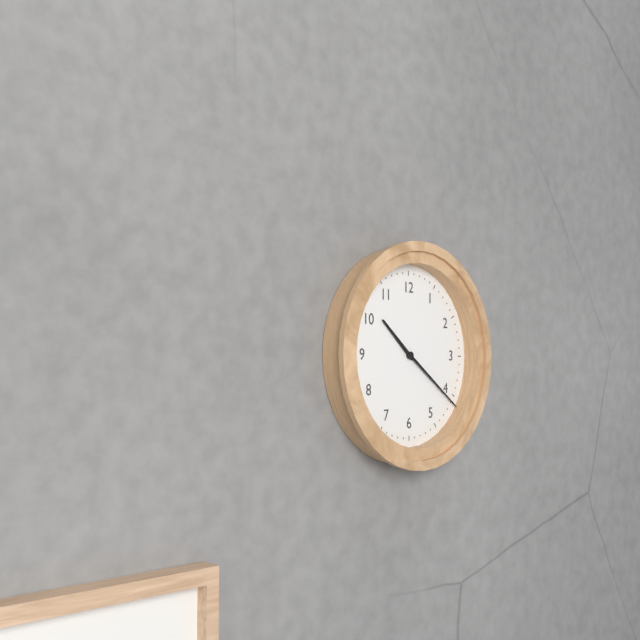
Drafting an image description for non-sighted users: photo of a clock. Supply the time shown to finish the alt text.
10:21
